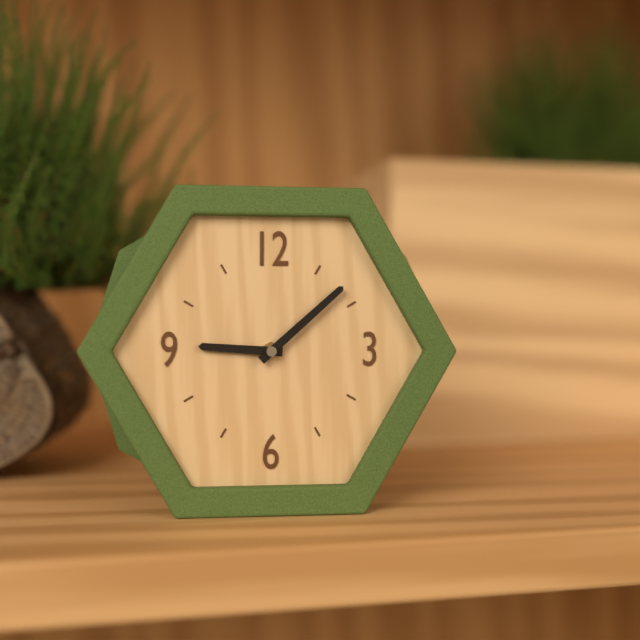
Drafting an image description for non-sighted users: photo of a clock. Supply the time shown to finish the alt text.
9:08
